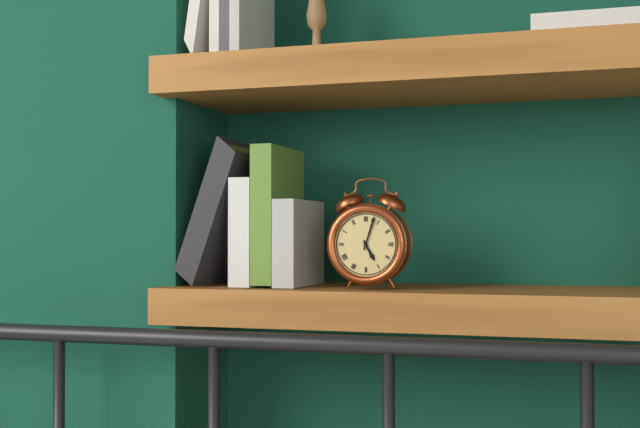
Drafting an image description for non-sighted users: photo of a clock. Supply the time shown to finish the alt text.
5:03
